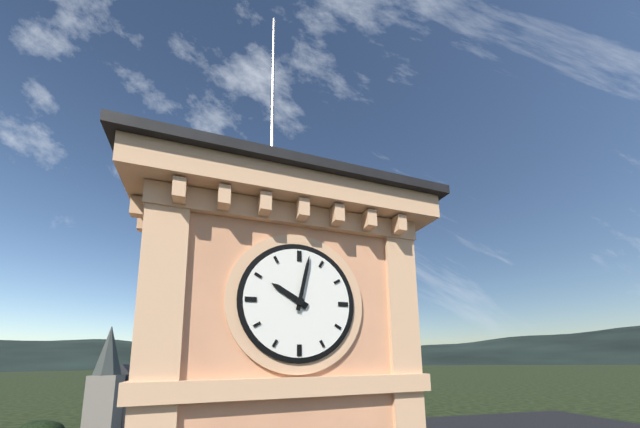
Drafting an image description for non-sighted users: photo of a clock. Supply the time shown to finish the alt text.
10:02
